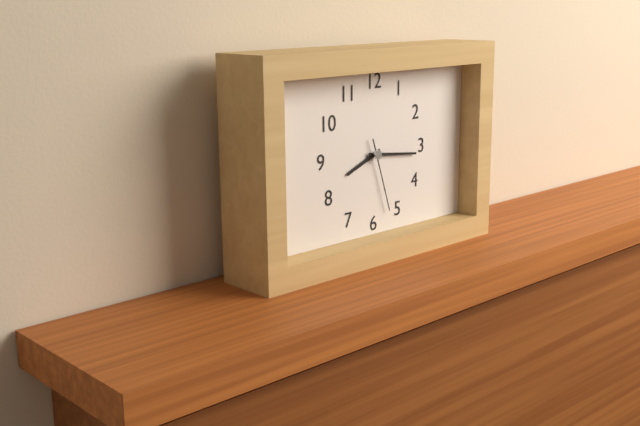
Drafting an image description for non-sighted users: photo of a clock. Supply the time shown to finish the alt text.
8:16:27
